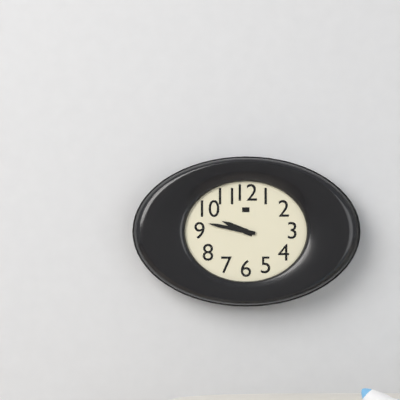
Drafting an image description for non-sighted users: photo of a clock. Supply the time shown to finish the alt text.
9:47
